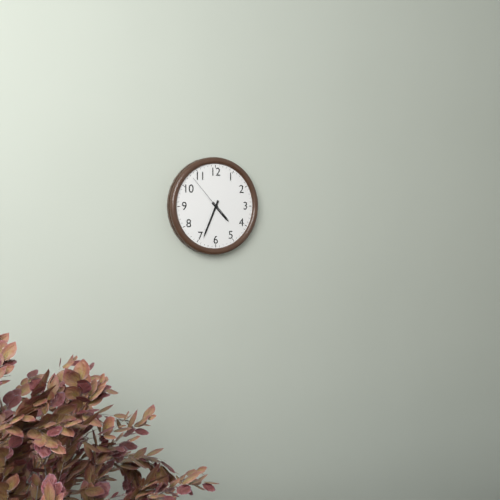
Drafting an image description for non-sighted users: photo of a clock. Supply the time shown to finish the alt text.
4:34
